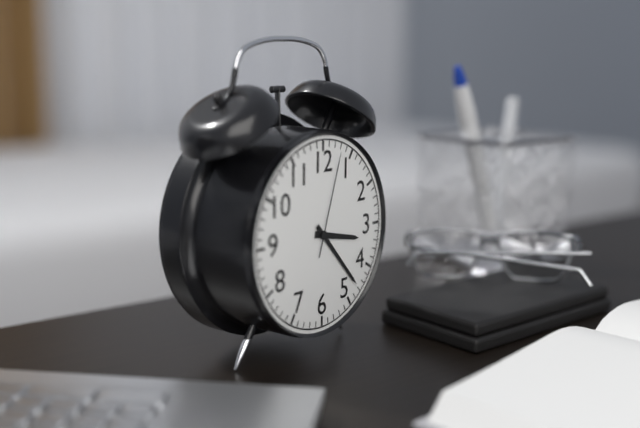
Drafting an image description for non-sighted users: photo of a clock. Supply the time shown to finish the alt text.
3:23:03
